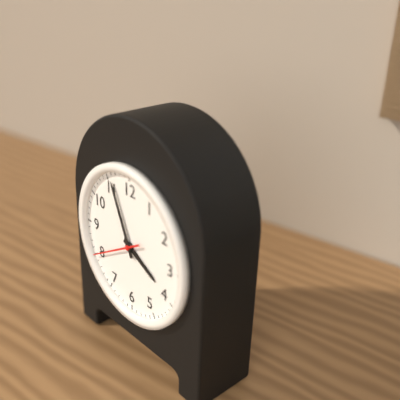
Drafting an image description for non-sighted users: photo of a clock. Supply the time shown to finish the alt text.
3:56:40
